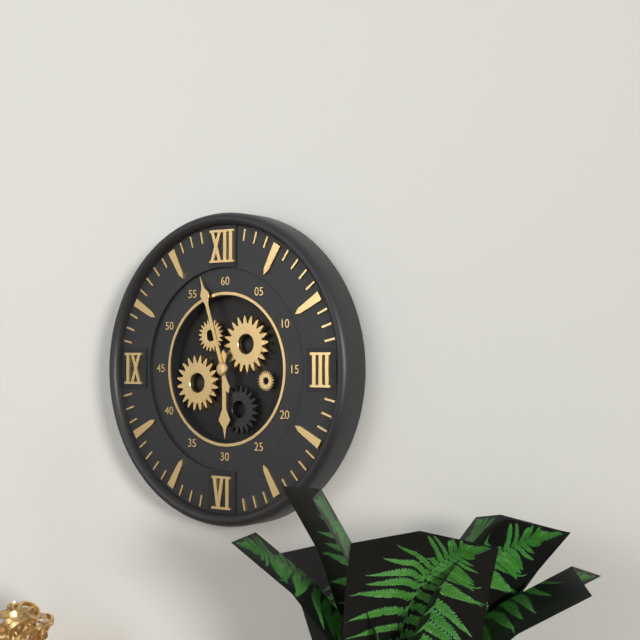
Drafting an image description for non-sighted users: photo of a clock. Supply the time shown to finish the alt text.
5:57
